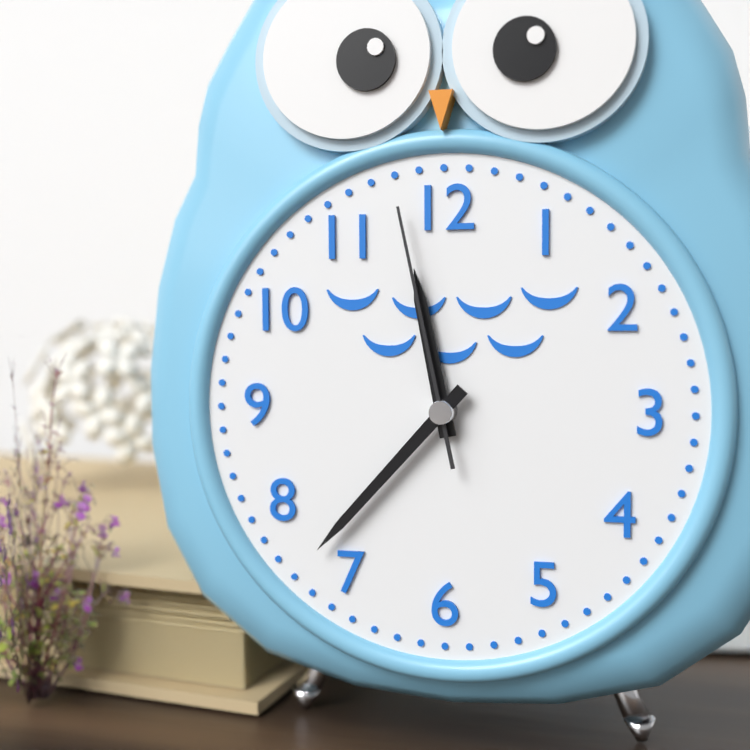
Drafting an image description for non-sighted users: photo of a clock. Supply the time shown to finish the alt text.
11:37:58
